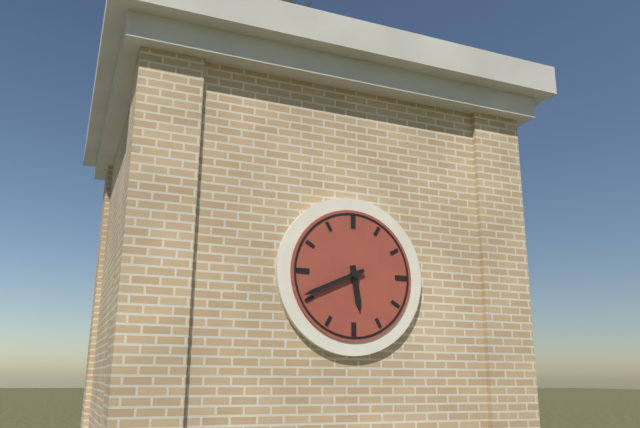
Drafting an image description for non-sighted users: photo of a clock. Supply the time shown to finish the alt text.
5:41
